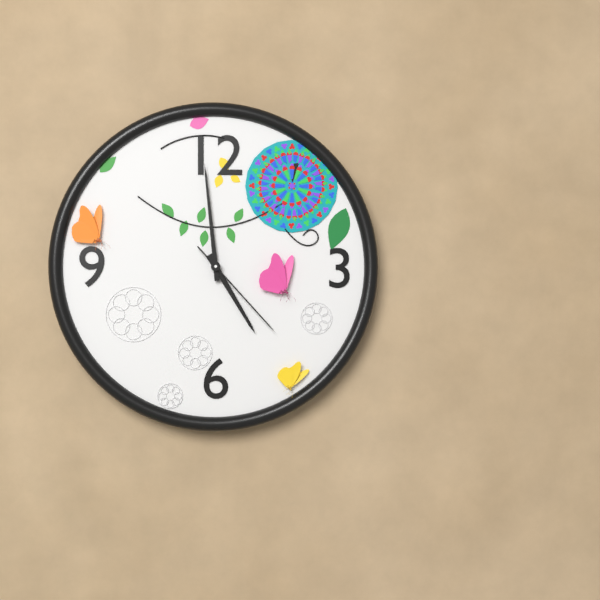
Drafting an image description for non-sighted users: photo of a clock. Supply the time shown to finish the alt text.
4:59:23
